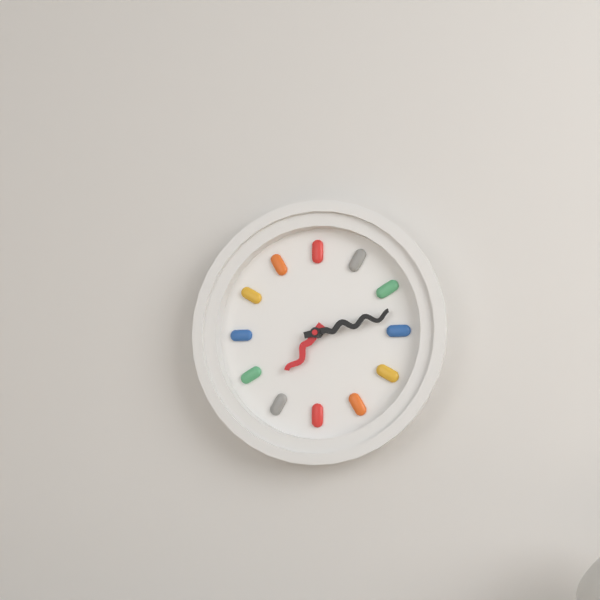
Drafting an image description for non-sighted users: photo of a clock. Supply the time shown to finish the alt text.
7:13
